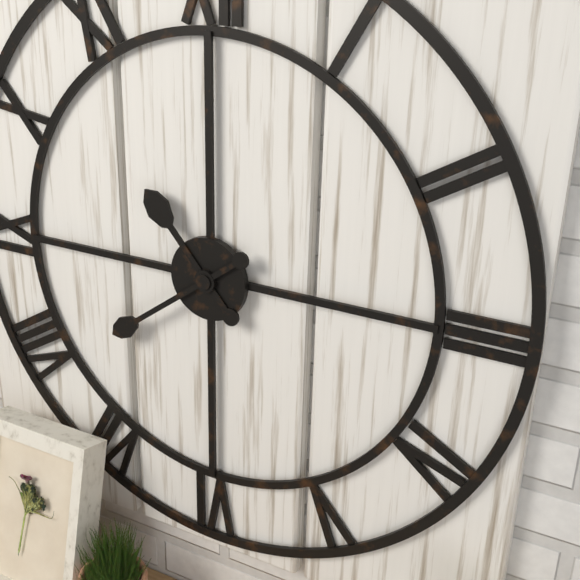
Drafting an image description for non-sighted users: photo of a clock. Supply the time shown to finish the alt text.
10:39
